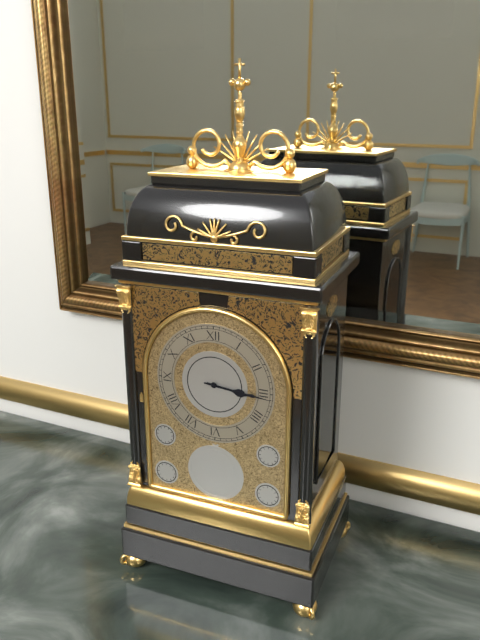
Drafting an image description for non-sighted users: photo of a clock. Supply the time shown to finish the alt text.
3:16
